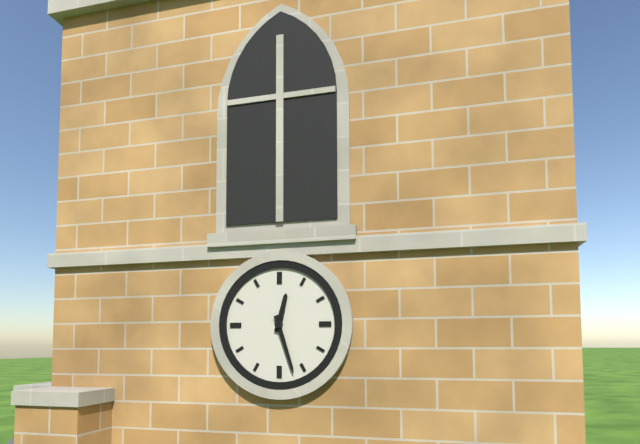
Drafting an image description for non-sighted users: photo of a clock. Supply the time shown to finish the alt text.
12:27
